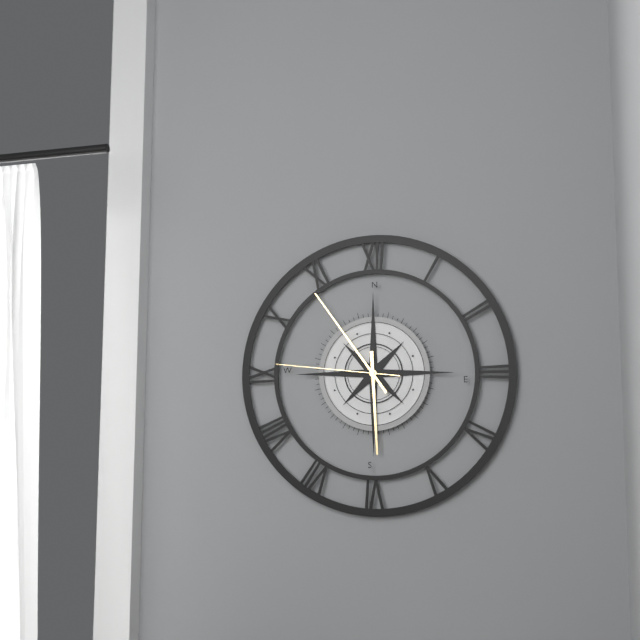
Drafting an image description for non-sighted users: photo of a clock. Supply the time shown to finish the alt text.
5:54:46
